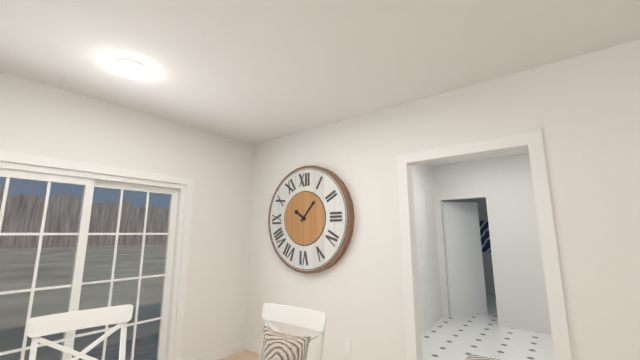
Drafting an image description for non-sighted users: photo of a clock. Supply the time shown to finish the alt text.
10:07
